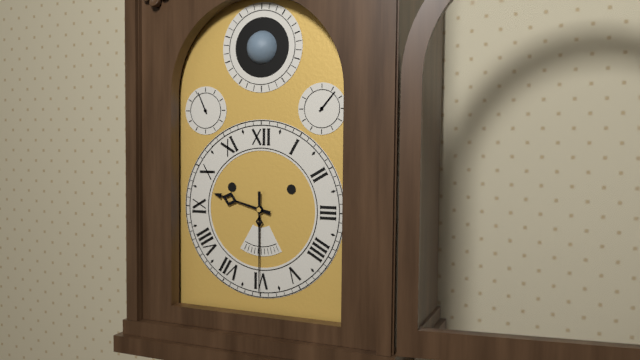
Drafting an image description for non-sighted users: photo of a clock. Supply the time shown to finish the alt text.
9:30
